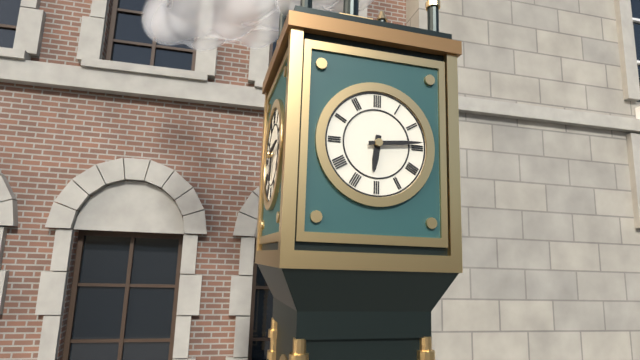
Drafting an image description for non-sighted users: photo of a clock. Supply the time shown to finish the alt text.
6:14
